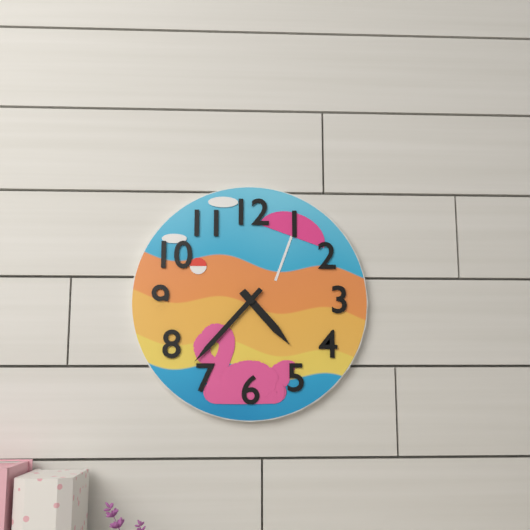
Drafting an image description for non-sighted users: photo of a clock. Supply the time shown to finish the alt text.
4:37
